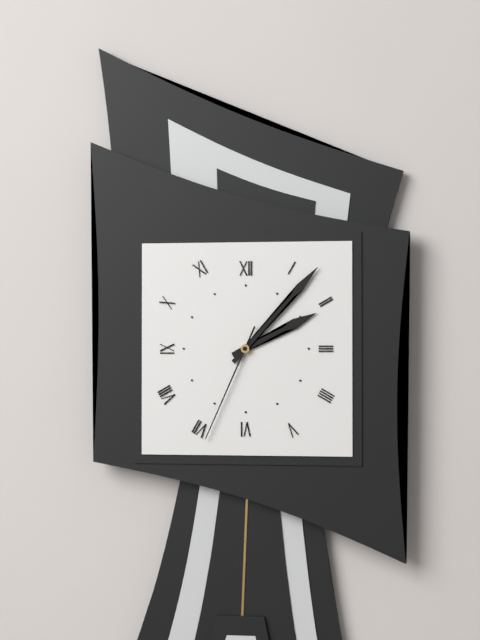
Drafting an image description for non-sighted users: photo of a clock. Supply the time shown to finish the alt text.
2:07:34
